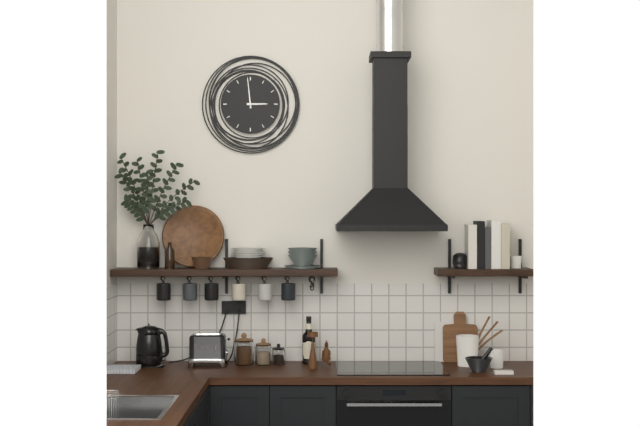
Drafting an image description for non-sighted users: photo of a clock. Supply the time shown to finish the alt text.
2:59
